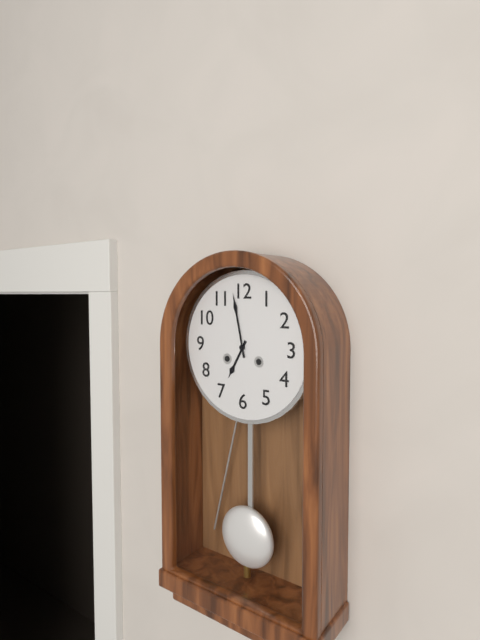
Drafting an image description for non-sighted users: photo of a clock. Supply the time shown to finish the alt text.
6:58
